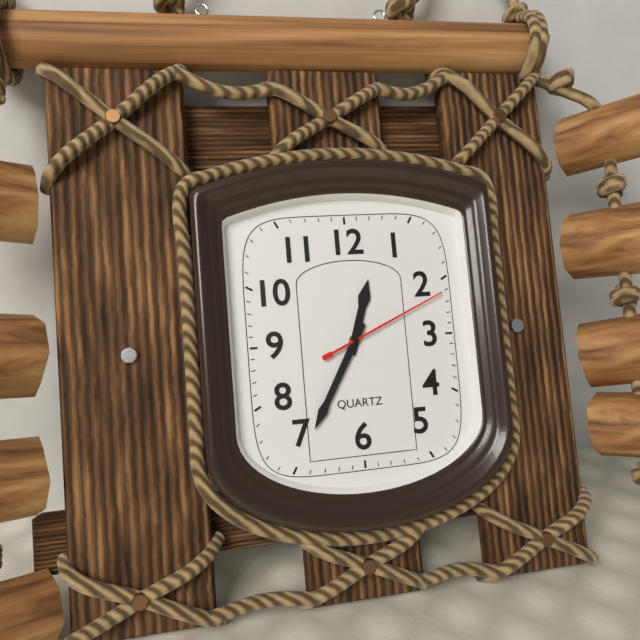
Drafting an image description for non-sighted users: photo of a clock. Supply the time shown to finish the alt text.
12:35:11
